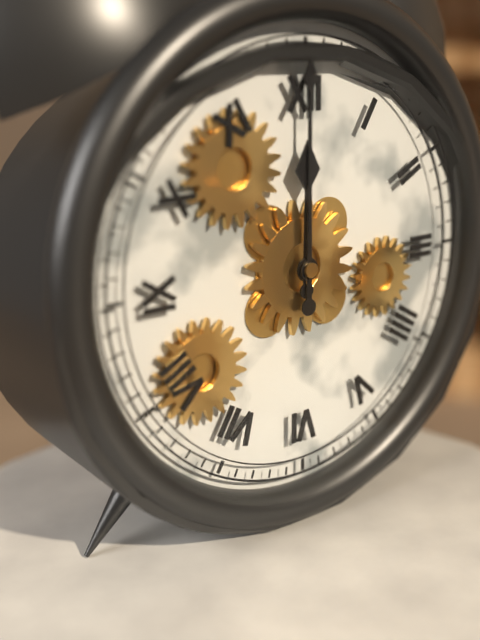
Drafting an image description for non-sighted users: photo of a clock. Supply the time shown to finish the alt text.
12:00
